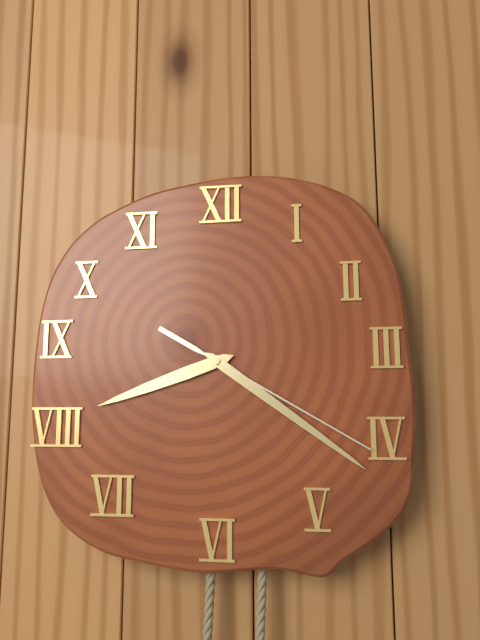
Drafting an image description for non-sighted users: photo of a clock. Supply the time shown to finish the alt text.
8:21:20
